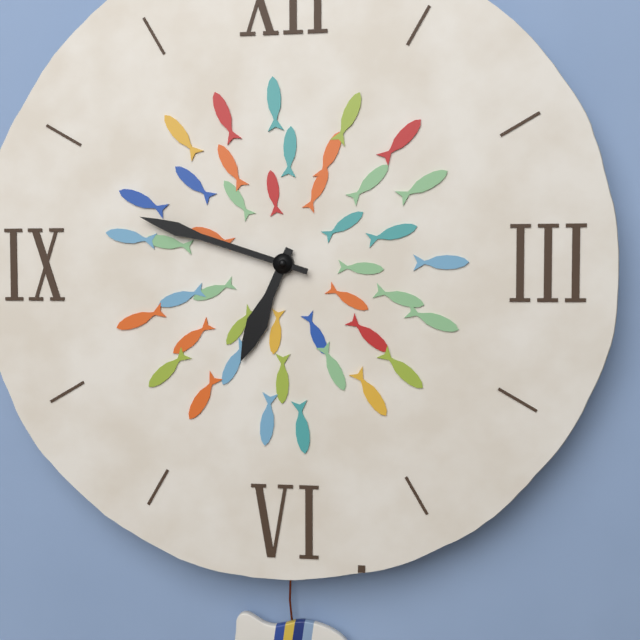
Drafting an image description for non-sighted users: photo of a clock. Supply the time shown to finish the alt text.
6:48
